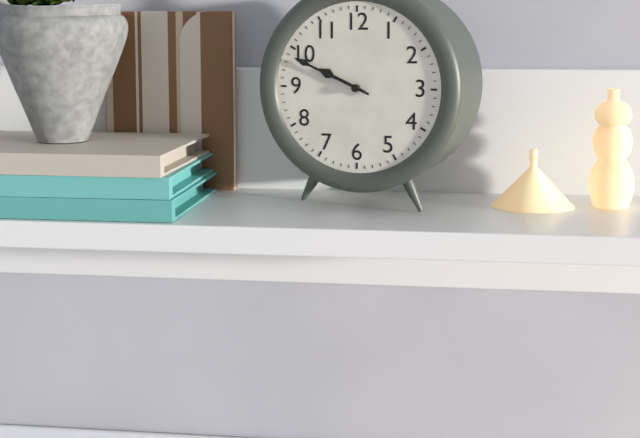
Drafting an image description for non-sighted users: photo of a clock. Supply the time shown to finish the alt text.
9:49
